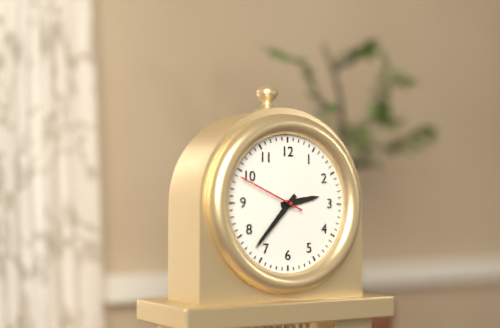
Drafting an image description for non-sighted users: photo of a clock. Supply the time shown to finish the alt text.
2:37:49
